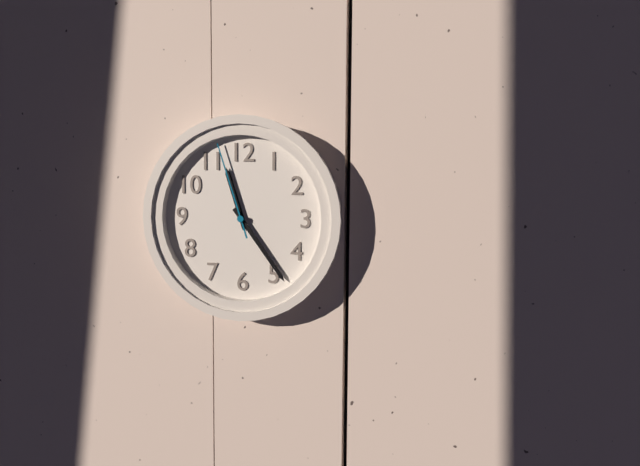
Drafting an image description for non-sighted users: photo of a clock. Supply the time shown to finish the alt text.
11:24:57
